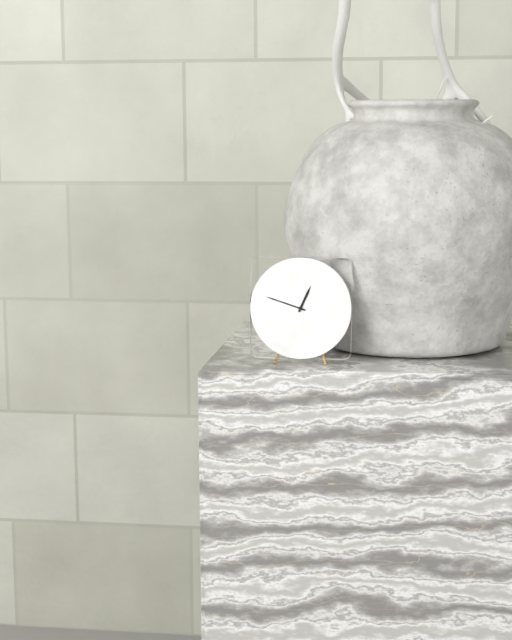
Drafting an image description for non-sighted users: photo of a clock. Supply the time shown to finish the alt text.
12:48
